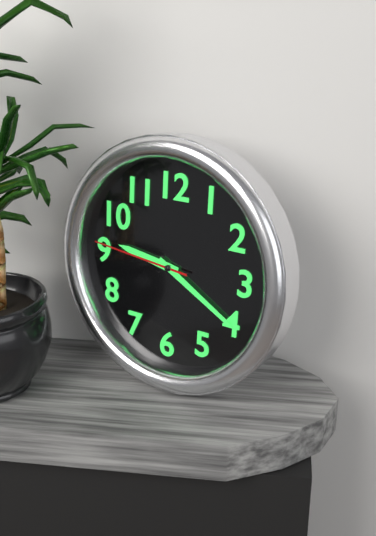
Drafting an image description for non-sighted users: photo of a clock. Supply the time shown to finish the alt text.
9:20:46
